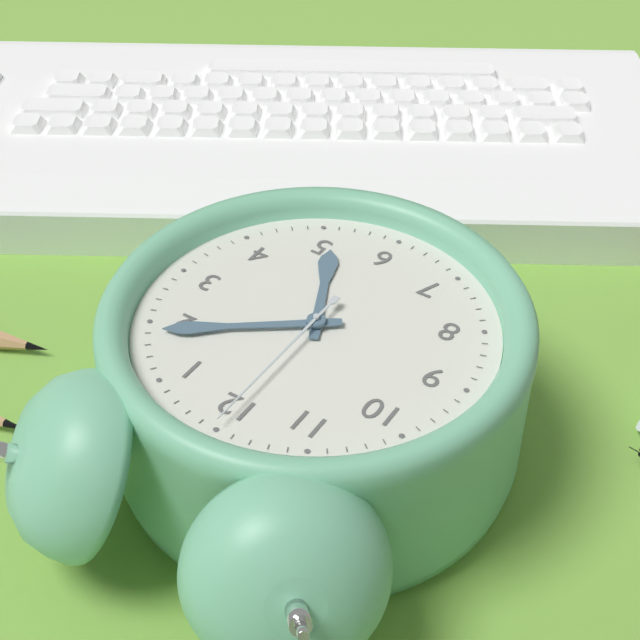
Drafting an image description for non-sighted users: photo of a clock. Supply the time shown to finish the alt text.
5:09:00
